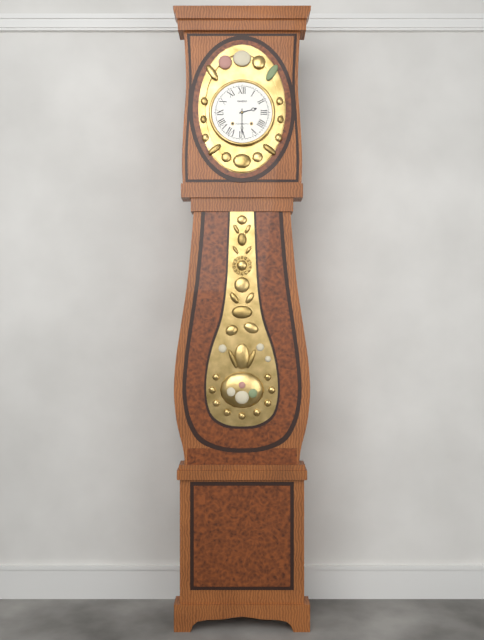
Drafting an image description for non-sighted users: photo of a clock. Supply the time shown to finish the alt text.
2:30
